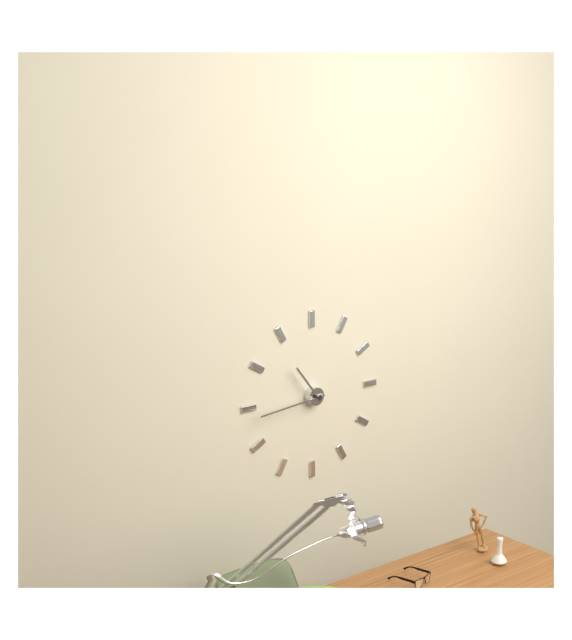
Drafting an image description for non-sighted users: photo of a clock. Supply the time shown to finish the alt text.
10:44
